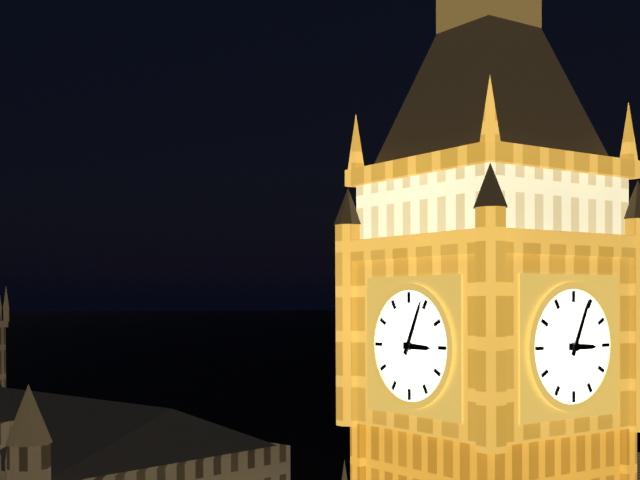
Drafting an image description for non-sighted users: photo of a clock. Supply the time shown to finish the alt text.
3:04
